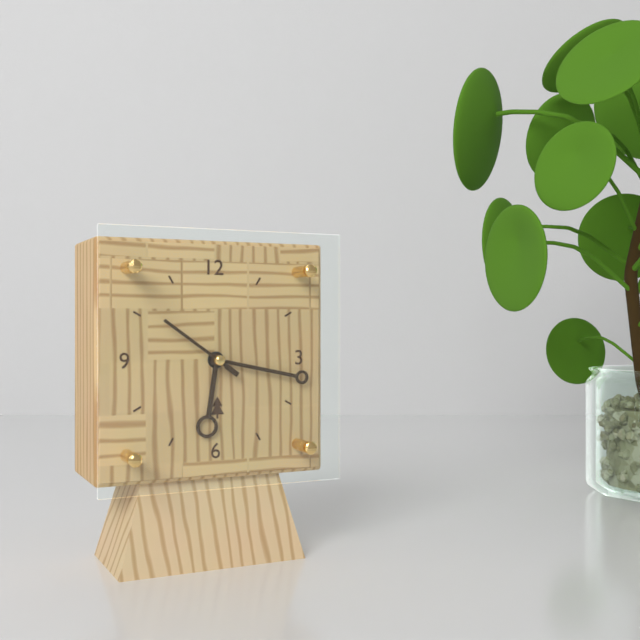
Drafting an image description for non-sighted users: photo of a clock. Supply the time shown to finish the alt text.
6:17:51
